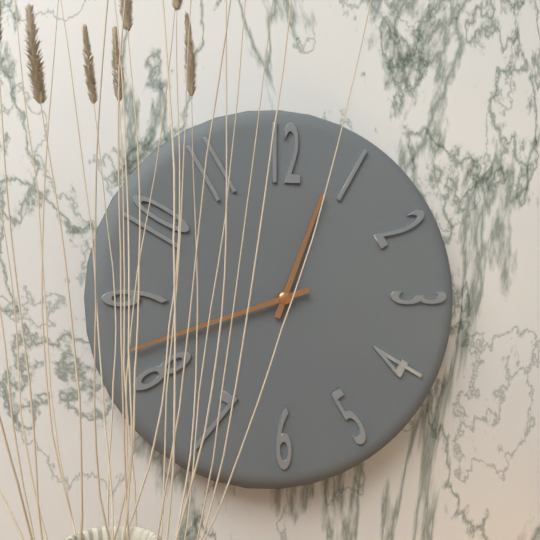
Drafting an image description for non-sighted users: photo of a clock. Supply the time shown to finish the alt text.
12:42
